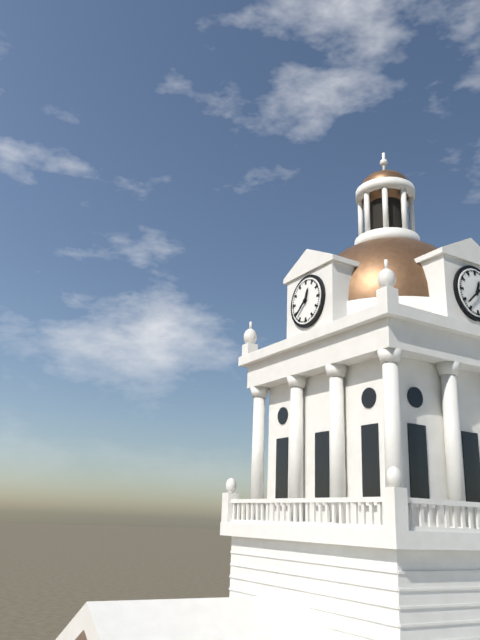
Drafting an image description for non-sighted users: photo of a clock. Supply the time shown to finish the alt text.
12:38
